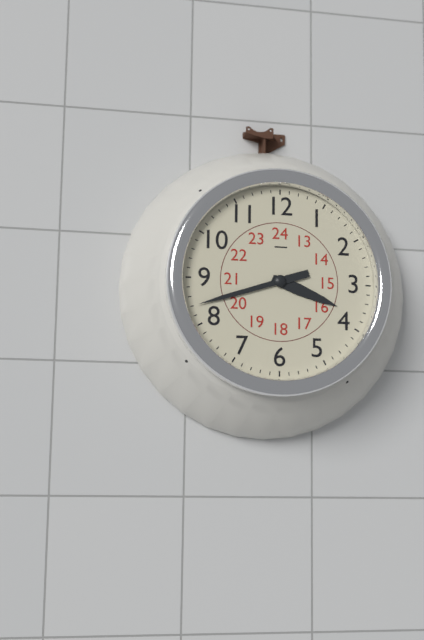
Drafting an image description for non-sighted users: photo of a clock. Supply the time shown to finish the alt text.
3:42
